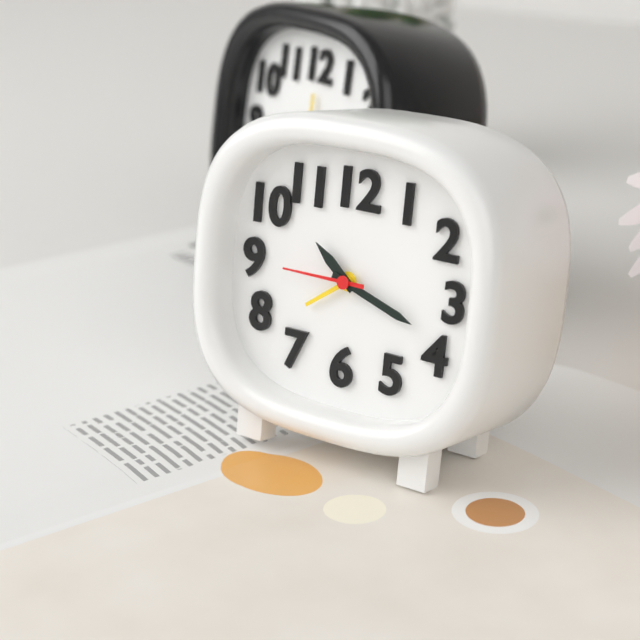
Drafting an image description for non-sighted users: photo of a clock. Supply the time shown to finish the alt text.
10:18:45
